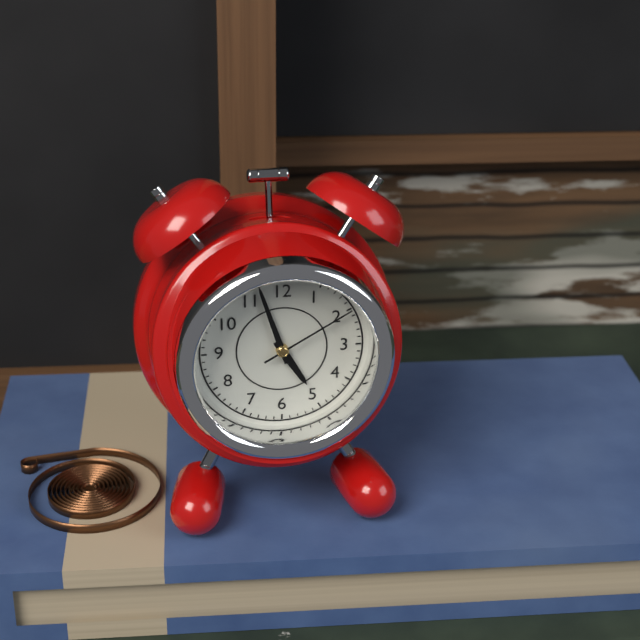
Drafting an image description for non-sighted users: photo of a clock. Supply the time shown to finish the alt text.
4:57:10
